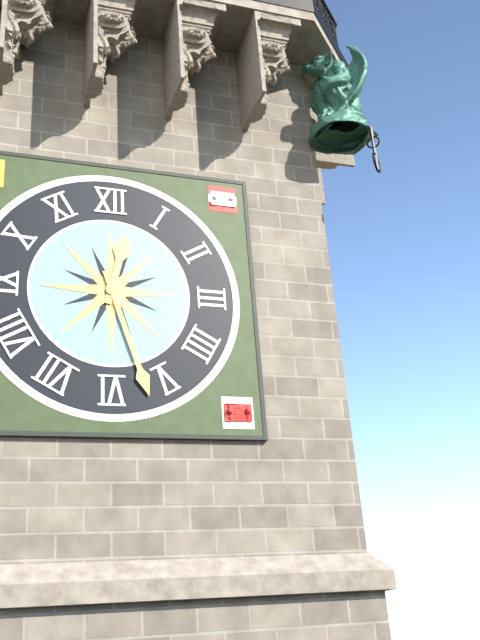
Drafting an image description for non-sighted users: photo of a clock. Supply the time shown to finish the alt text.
12:27
